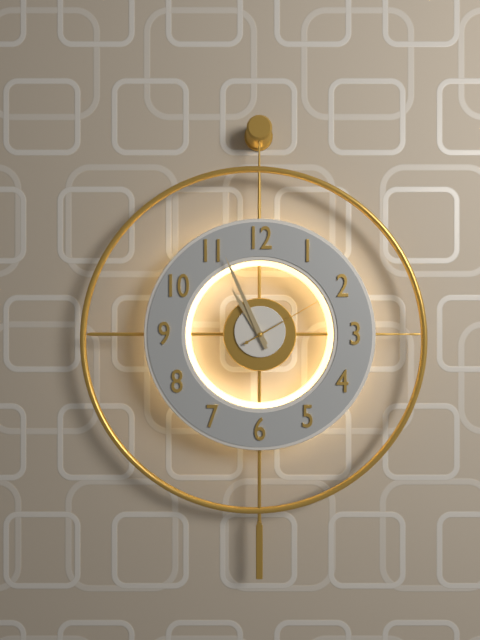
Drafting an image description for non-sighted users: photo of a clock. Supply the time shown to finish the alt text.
10:56:10
